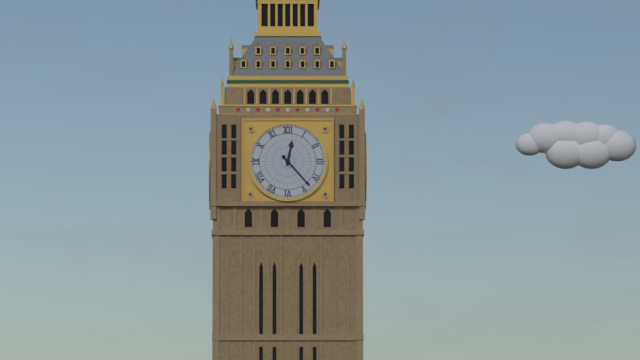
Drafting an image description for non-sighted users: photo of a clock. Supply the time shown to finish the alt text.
12:23
